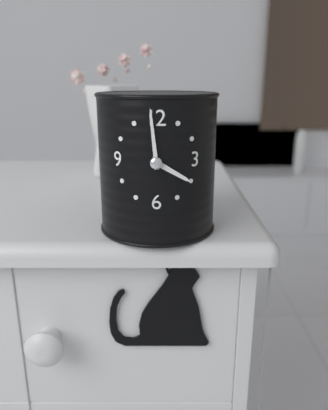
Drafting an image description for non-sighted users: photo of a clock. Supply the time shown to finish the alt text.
3:59
